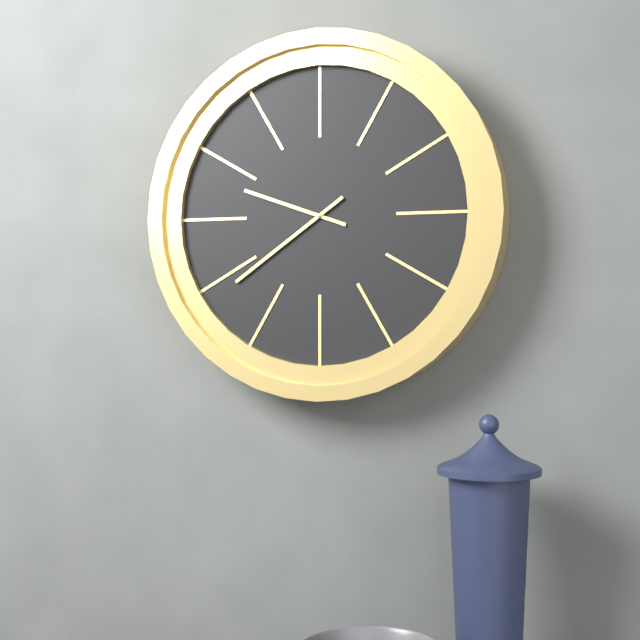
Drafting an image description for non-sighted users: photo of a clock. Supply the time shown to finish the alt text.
9:39
